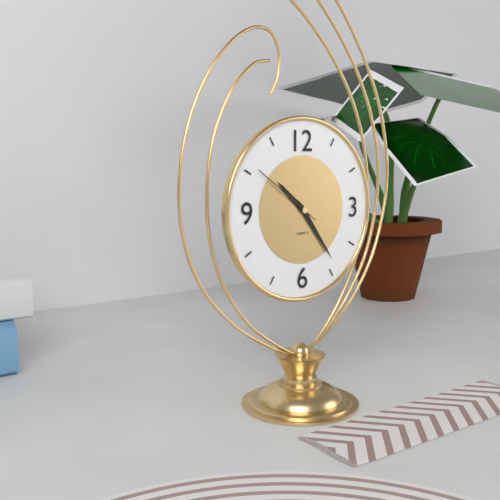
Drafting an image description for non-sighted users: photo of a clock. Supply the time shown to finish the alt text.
10:24:51
